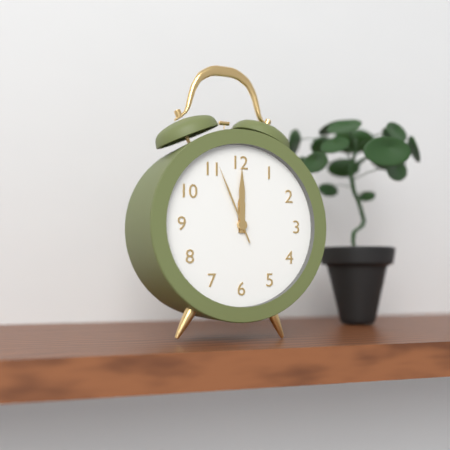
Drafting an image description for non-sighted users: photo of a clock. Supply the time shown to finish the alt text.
12:00:56
